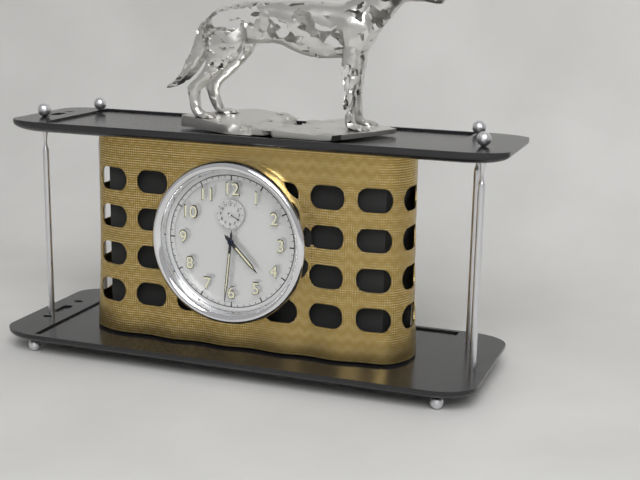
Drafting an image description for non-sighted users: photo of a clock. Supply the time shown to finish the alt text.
4:31
